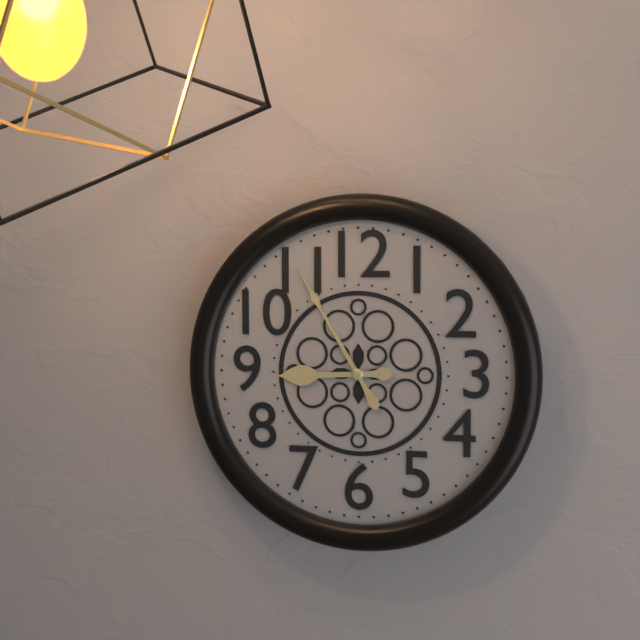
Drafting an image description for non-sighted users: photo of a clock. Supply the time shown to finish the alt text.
8:55
